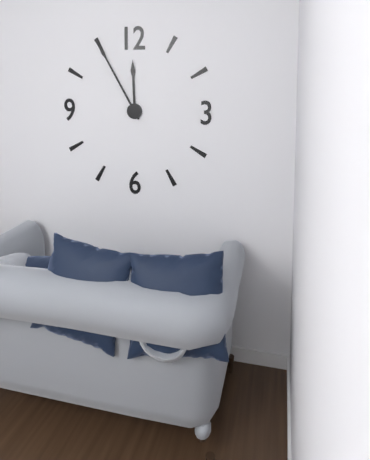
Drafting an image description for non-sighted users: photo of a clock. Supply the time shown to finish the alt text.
11:55
